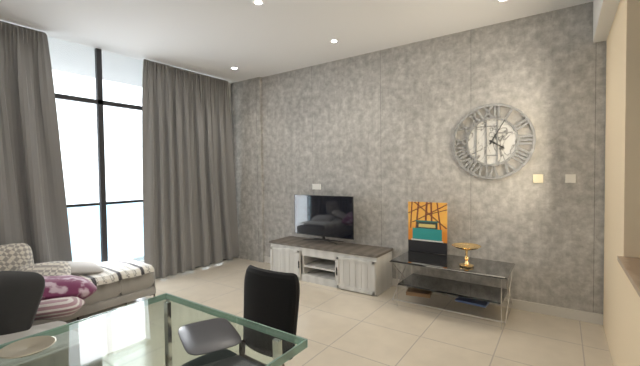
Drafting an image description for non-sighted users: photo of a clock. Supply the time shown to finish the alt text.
4:05
